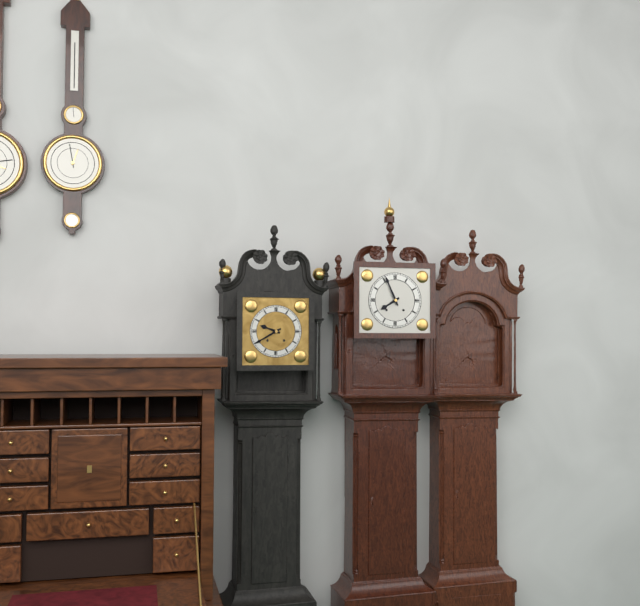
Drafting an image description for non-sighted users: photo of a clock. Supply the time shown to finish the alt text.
7:56
